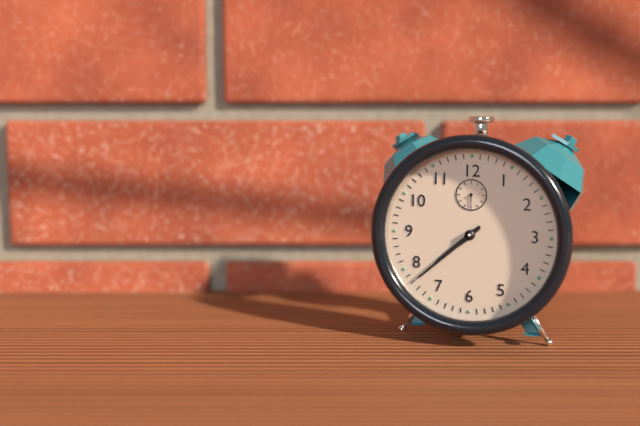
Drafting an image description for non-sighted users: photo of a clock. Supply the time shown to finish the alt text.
7:38
